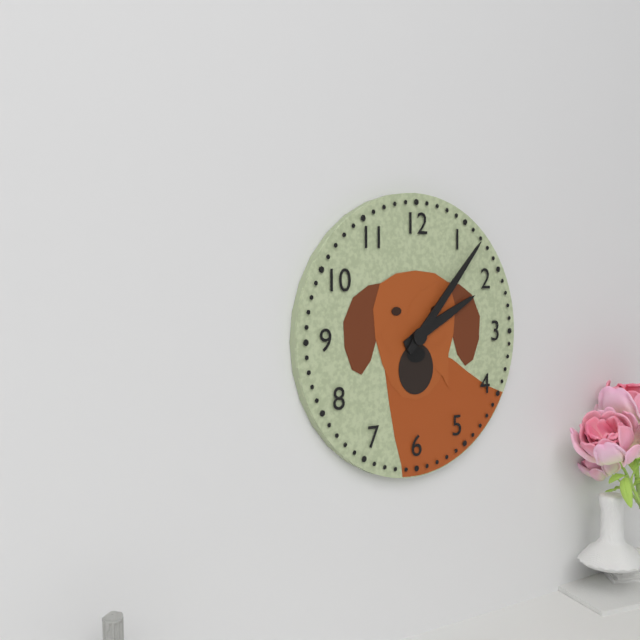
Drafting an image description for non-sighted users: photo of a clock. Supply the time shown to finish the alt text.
2:07
